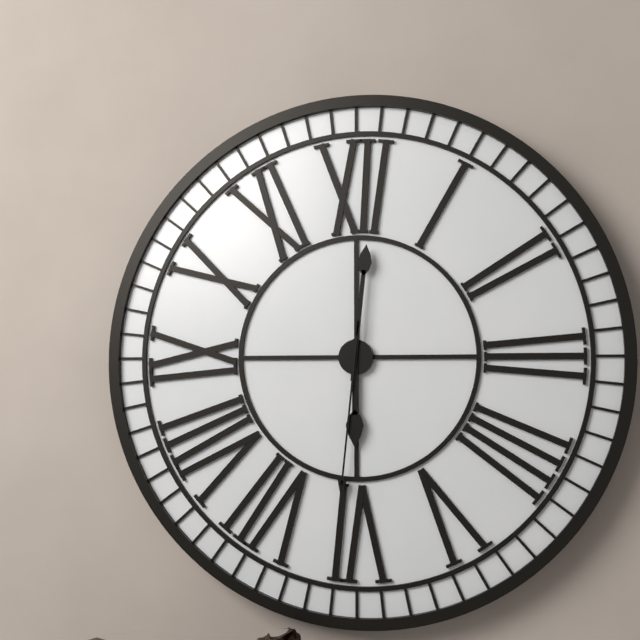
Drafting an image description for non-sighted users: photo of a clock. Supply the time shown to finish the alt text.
6:01:31
